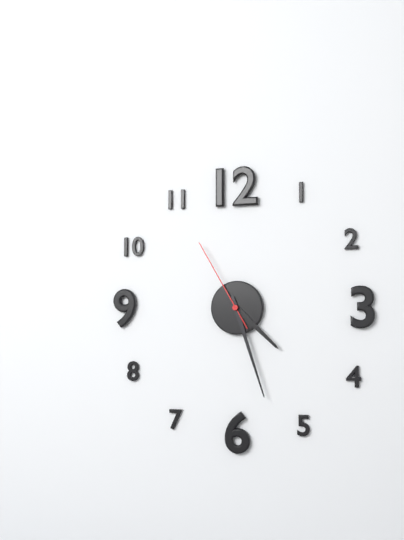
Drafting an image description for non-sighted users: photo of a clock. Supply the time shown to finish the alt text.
4:27:55
